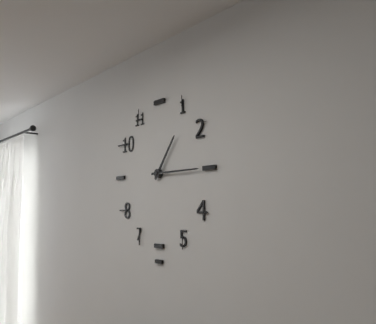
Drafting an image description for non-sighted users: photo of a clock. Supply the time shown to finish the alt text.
1:15
